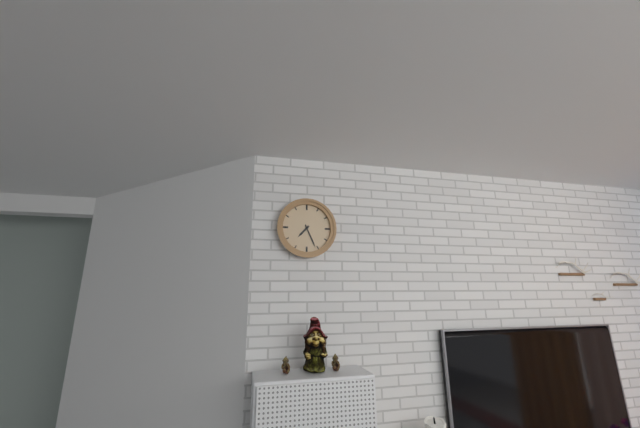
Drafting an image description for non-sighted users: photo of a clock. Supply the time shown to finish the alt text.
7:26
